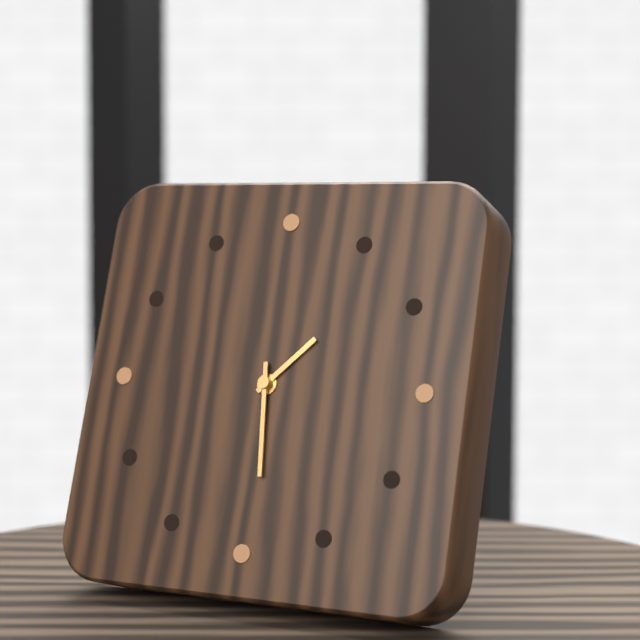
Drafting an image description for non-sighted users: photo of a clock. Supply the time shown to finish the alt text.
1:29
